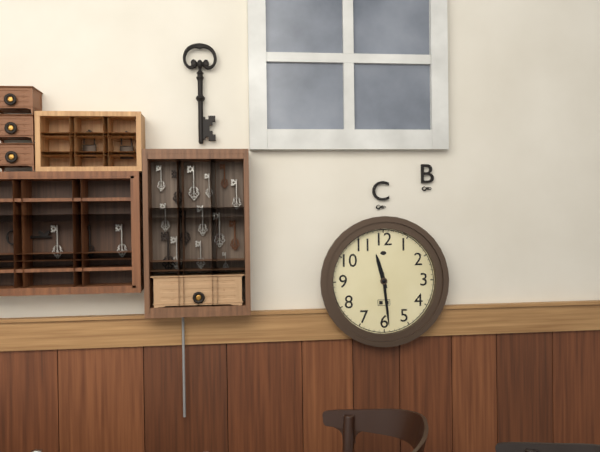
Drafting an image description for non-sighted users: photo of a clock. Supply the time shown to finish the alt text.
11:29
